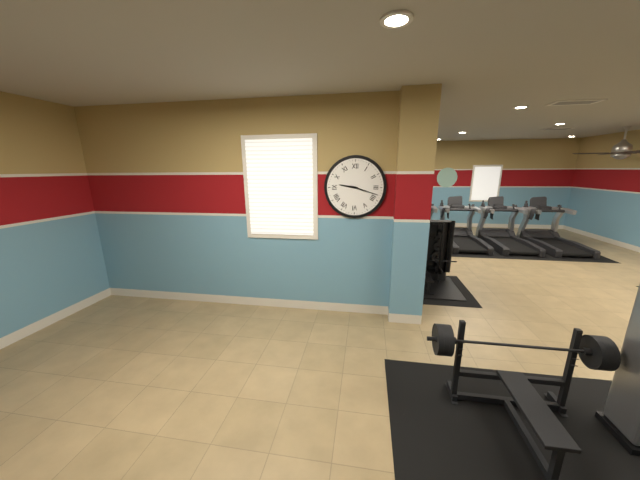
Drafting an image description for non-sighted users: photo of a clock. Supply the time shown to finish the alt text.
9:18
